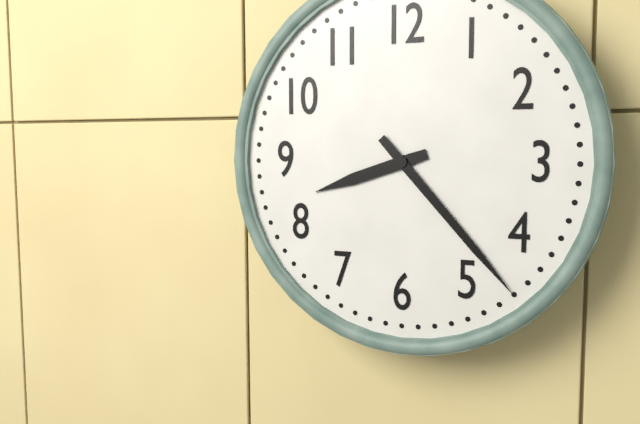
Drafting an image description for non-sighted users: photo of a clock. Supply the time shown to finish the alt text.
8:23
